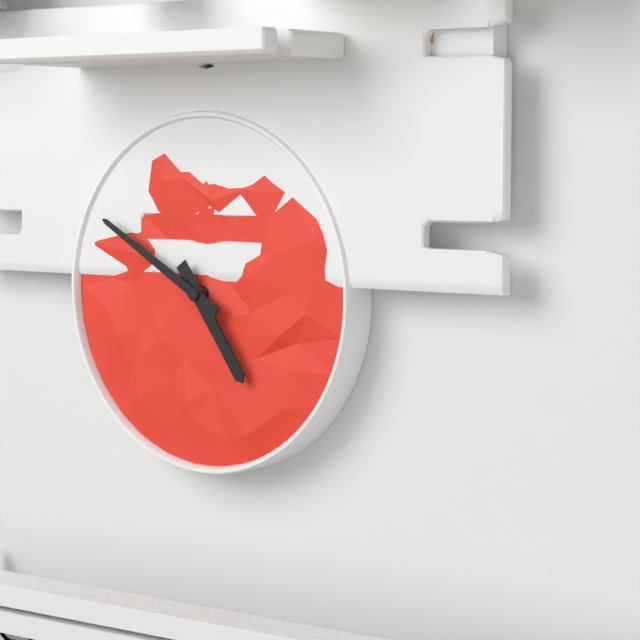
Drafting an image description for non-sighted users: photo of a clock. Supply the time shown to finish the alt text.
4:50
